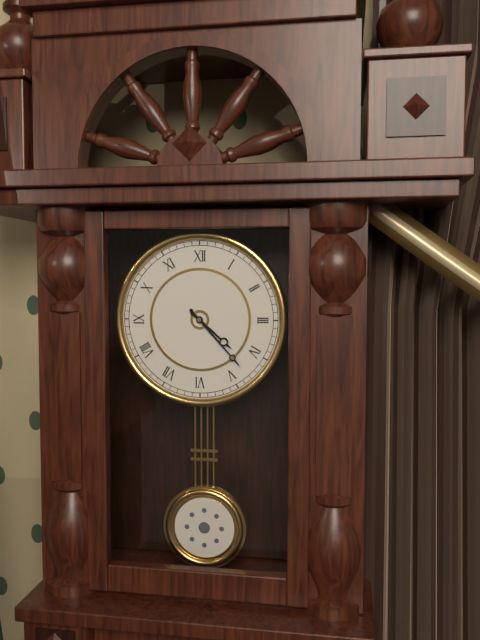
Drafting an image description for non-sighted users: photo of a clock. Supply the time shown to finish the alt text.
4:23
